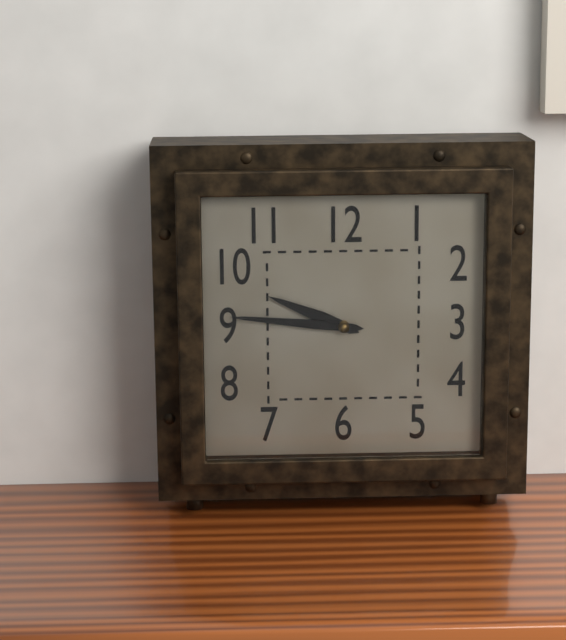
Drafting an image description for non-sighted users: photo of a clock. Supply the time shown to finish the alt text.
9:46
